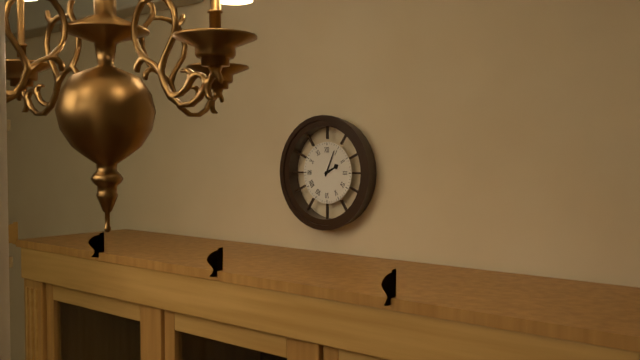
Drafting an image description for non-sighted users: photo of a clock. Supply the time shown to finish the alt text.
2:04
